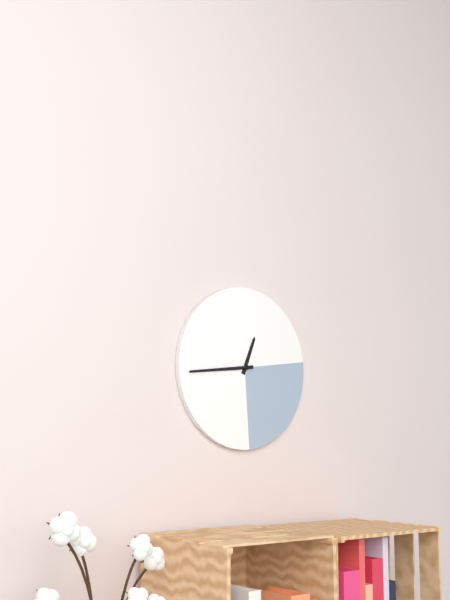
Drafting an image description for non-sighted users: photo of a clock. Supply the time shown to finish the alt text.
12:44
